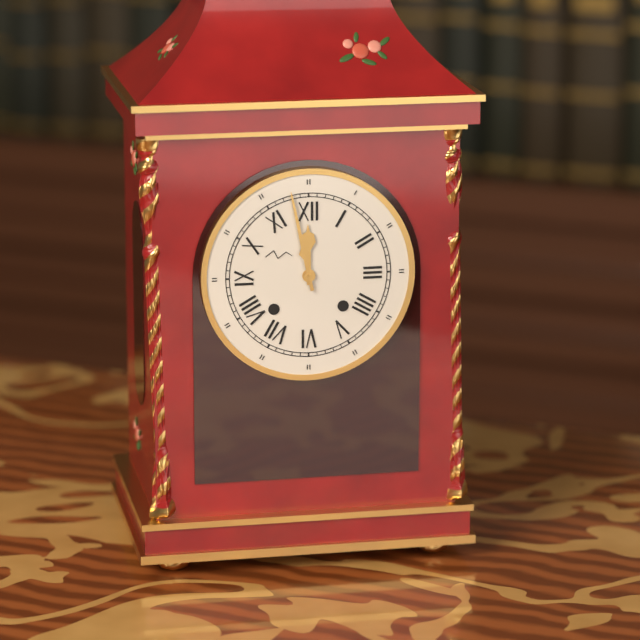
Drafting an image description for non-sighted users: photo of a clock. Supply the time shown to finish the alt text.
11:58
